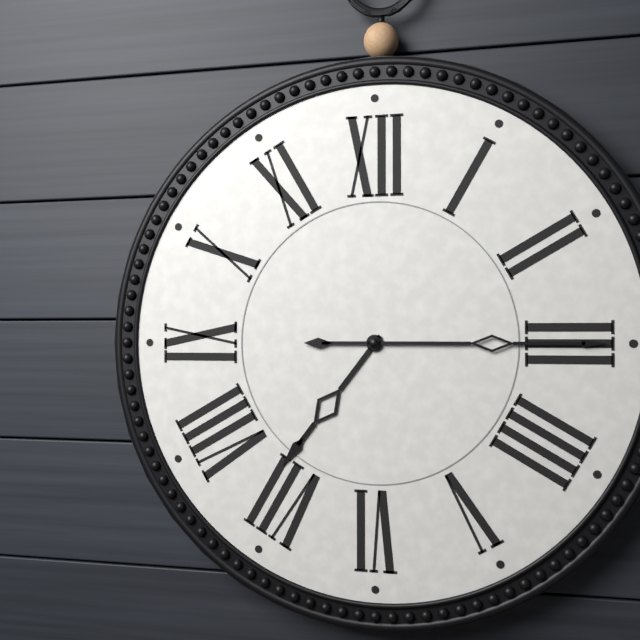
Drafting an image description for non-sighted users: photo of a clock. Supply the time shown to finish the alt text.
7:15
